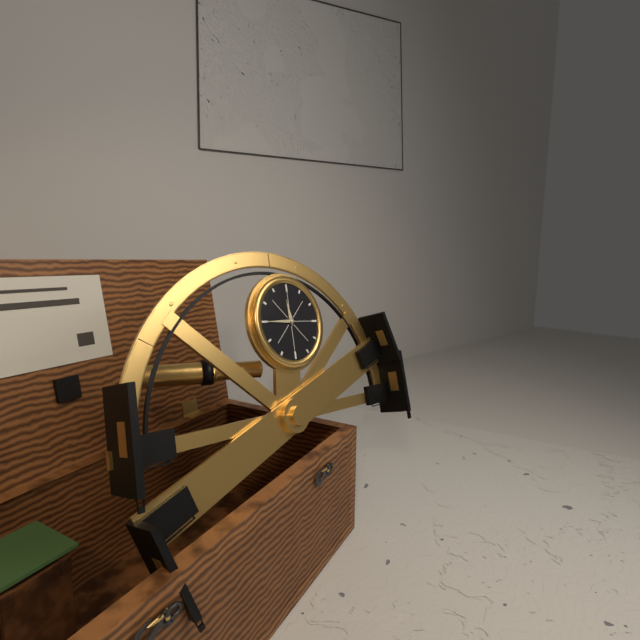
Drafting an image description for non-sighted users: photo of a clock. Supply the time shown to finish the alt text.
11:45
